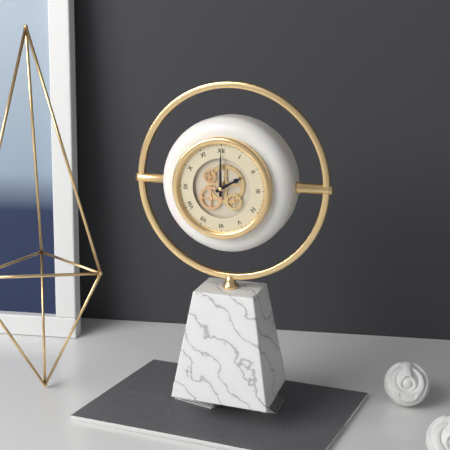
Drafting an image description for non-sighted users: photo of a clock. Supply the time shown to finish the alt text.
2:00
